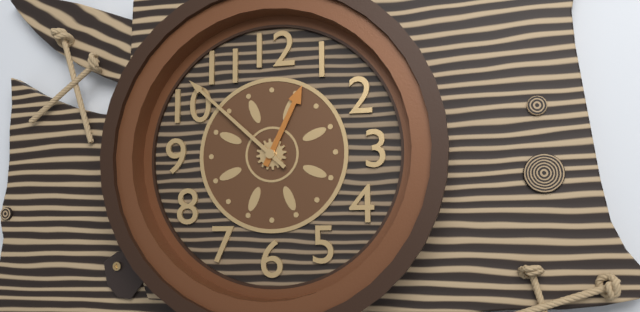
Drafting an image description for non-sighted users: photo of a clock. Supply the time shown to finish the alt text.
12:52
